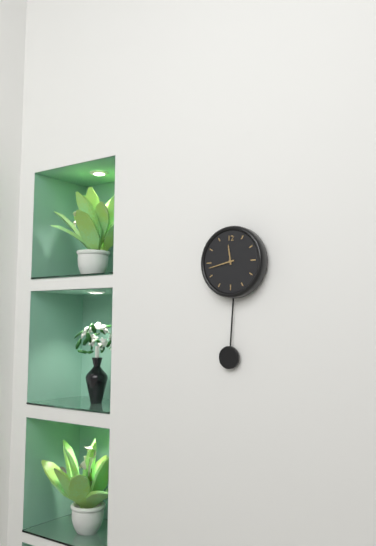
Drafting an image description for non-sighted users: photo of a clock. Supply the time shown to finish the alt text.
11:43
